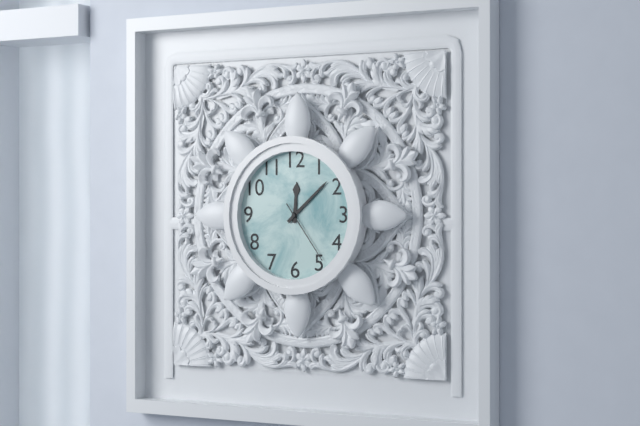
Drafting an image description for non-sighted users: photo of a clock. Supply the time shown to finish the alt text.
12:08:24
